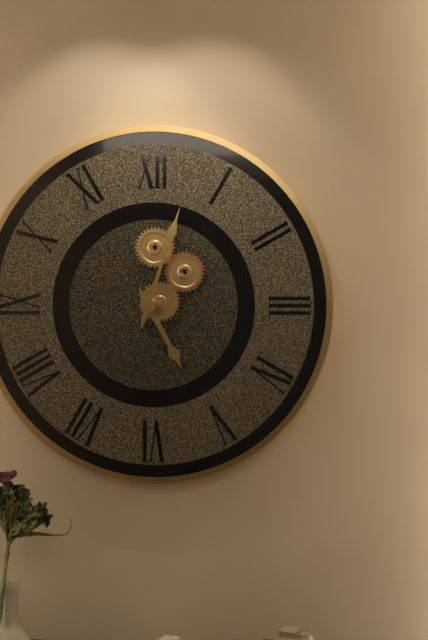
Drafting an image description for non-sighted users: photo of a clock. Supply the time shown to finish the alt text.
5:03
